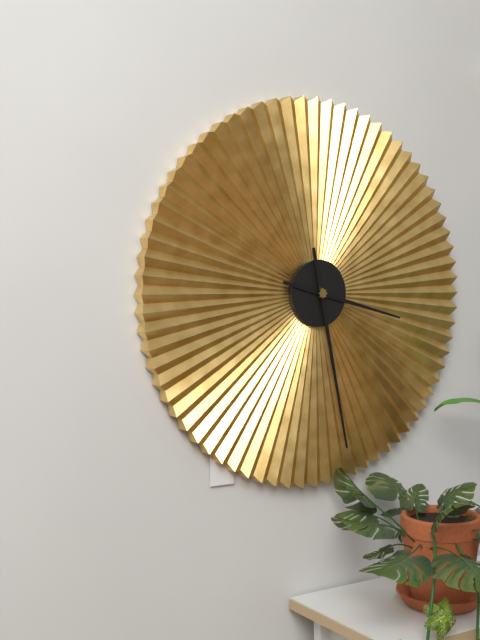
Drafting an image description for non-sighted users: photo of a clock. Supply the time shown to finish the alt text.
3:28
